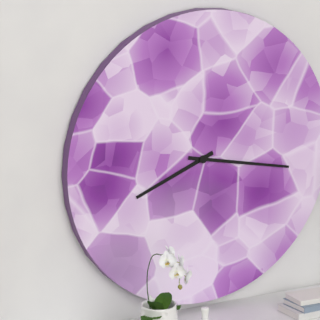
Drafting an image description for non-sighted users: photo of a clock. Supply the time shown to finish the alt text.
8:17
